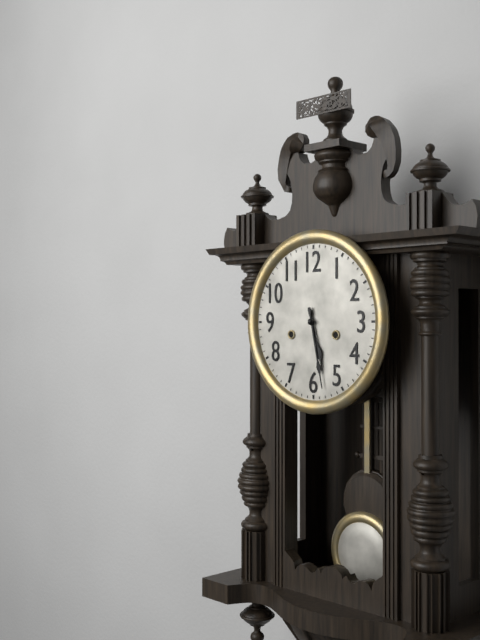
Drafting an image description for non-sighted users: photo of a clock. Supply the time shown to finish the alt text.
5:28
